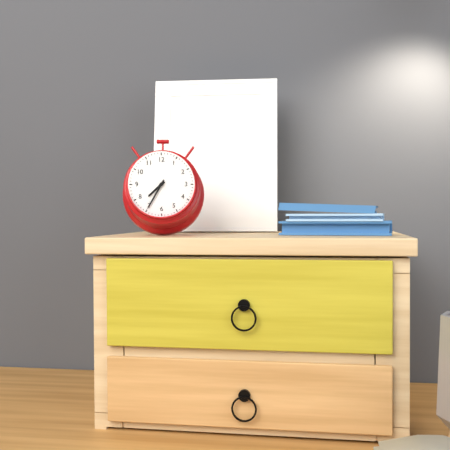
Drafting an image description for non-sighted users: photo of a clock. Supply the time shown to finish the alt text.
7:35
